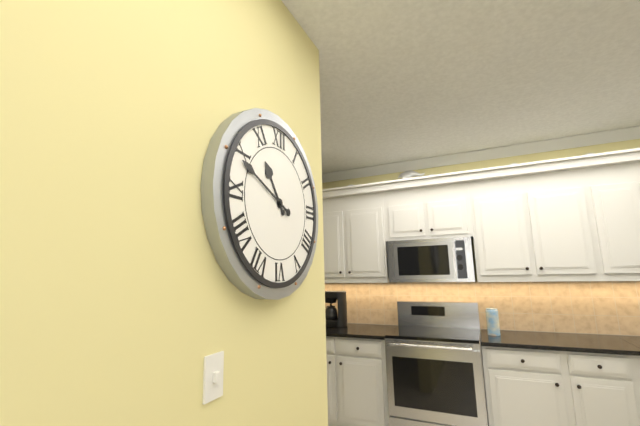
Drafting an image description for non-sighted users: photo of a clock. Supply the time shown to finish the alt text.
10:49
